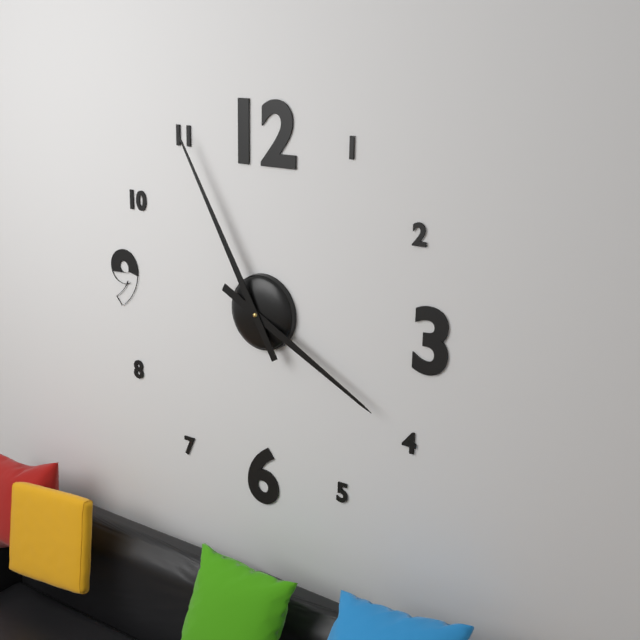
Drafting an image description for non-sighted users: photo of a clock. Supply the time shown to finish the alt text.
3:55
